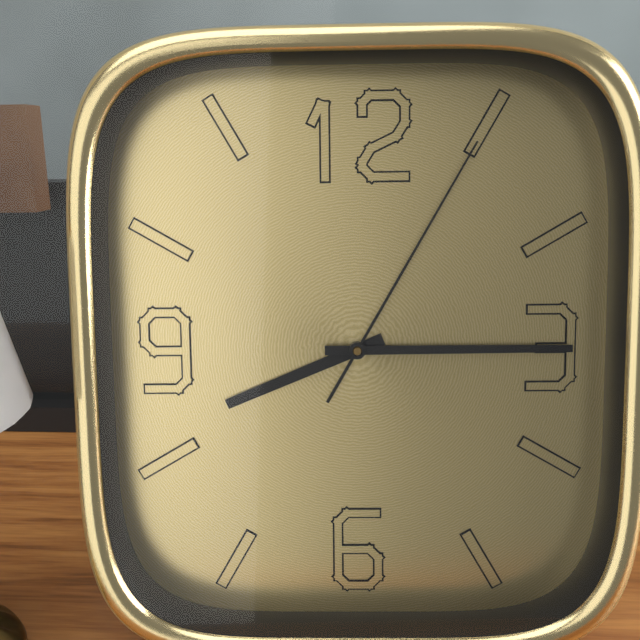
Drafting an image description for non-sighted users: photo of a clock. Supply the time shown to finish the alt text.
8:15:05
